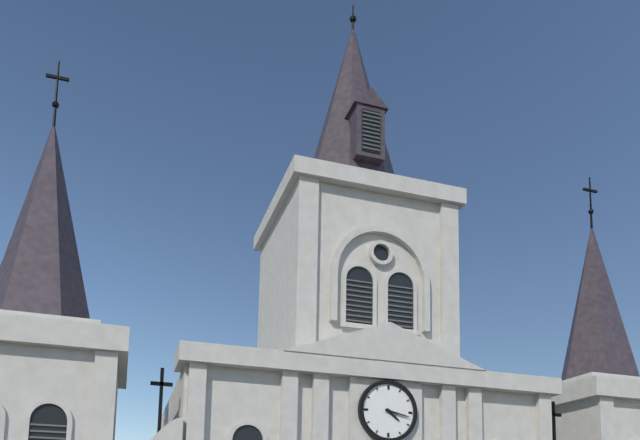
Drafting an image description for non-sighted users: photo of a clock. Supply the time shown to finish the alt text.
4:17
